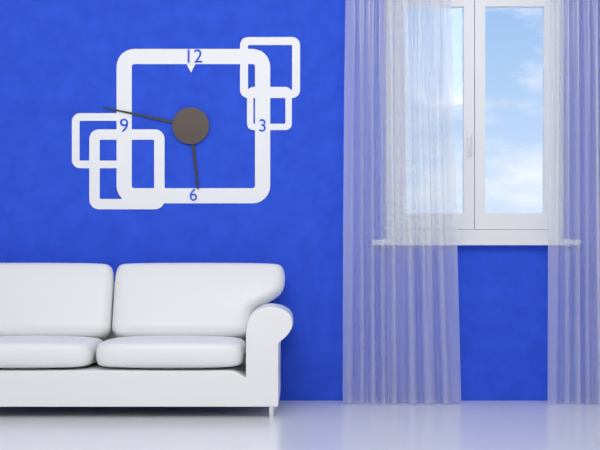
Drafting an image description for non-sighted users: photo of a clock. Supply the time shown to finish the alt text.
5:47
